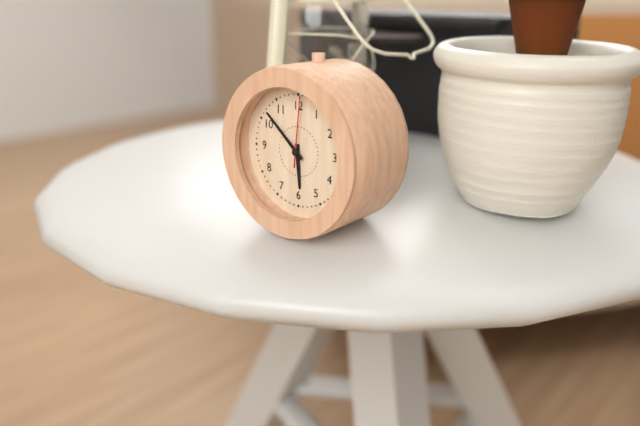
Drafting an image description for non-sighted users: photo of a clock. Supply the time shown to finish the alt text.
5:52:01
